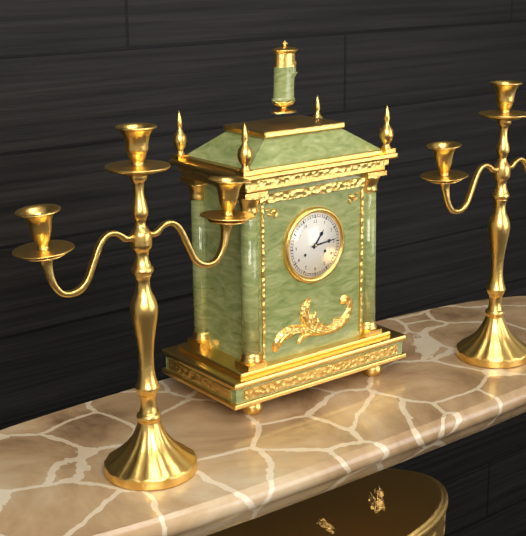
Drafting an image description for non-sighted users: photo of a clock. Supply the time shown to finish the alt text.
1:14
